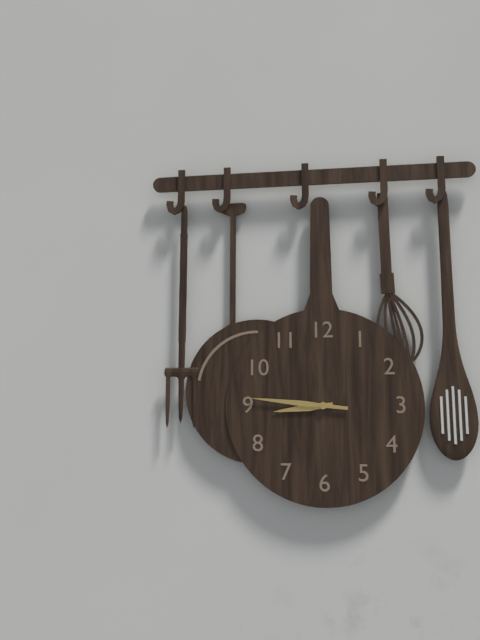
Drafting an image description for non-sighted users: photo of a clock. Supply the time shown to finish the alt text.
8:46
